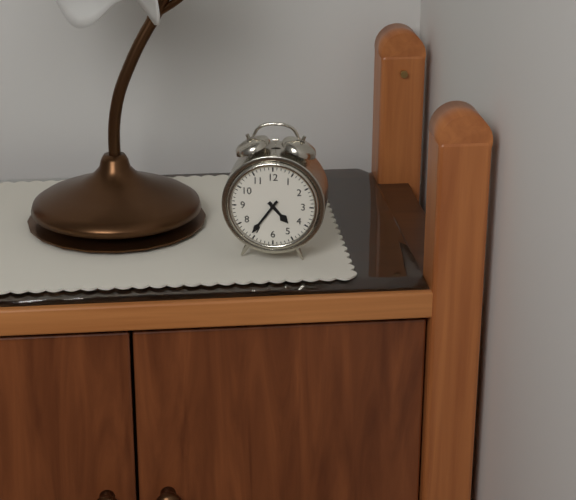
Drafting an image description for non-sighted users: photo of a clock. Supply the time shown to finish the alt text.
4:36
